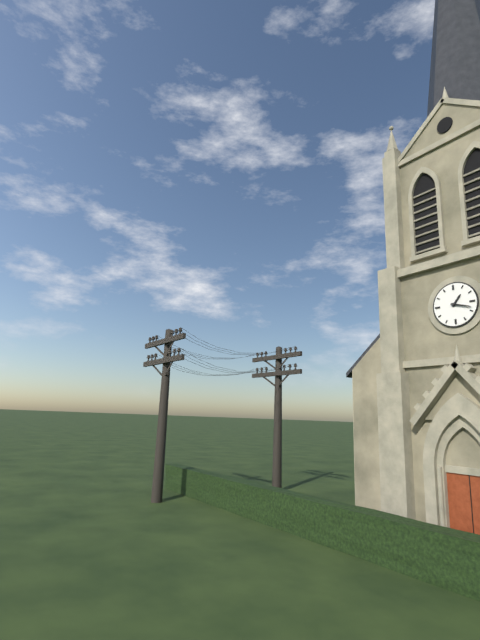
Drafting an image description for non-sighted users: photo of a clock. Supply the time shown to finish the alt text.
1:18
